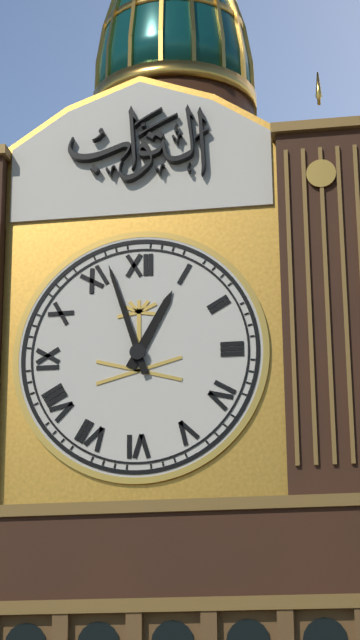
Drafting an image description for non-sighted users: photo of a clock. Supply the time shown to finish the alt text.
12:57
